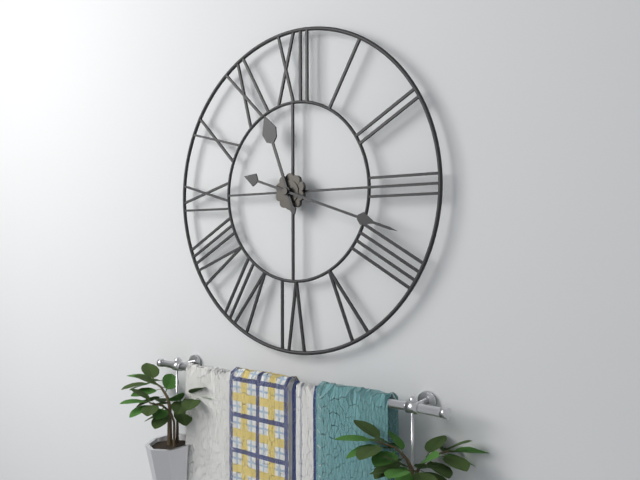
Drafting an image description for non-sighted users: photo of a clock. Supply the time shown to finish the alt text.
11:18
